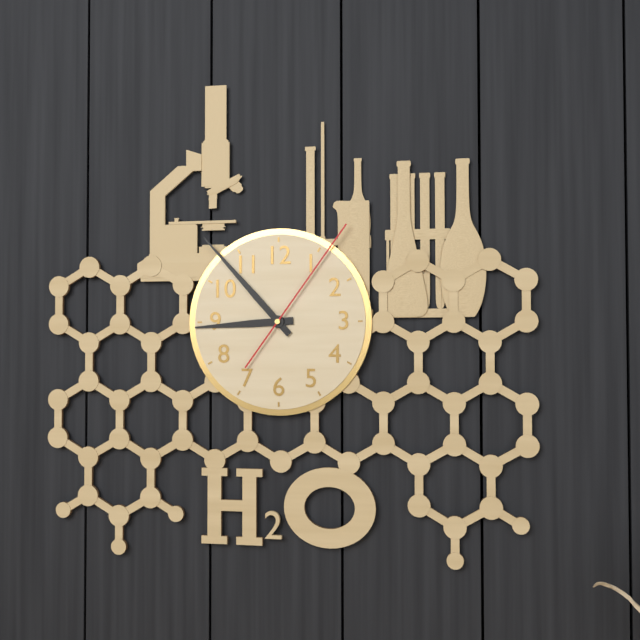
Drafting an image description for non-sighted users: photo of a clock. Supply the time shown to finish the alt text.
8:53:06
